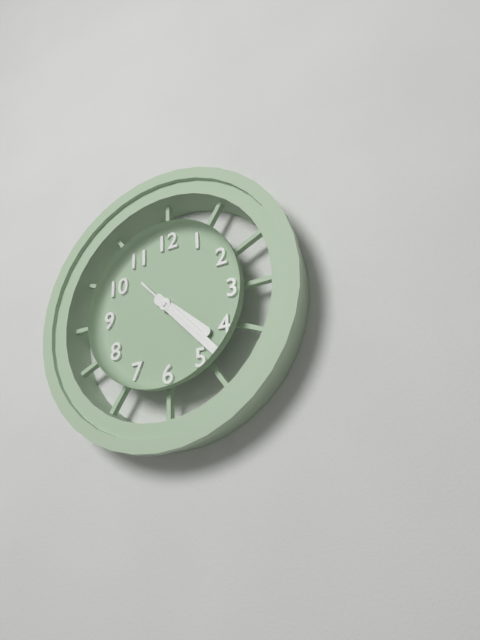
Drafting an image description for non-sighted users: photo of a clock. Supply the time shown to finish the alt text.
4:23:23
